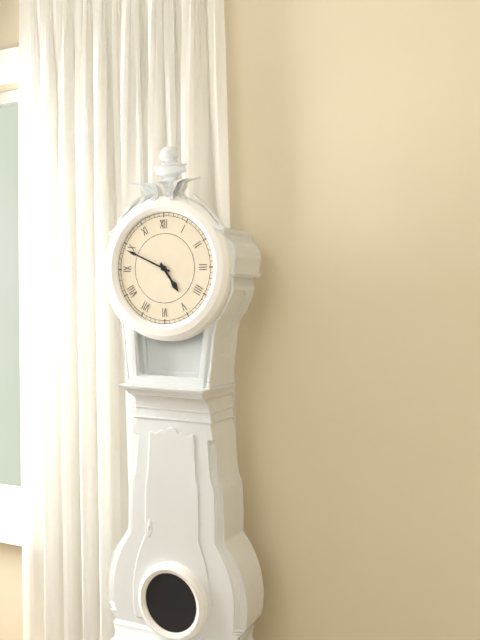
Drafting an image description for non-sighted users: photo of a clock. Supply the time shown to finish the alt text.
4:49
